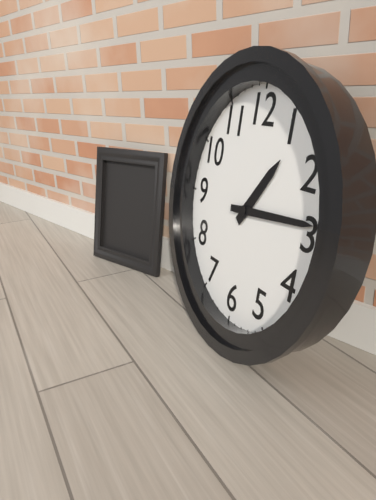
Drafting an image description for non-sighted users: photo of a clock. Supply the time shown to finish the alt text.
1:14
